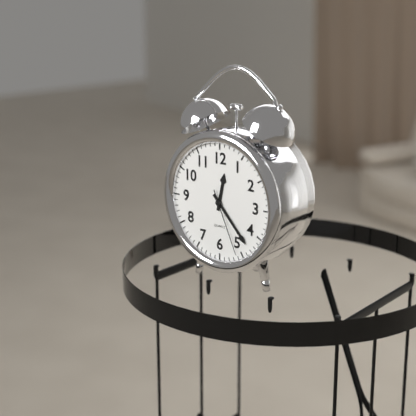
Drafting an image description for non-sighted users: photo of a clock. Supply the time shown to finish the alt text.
12:23:26
